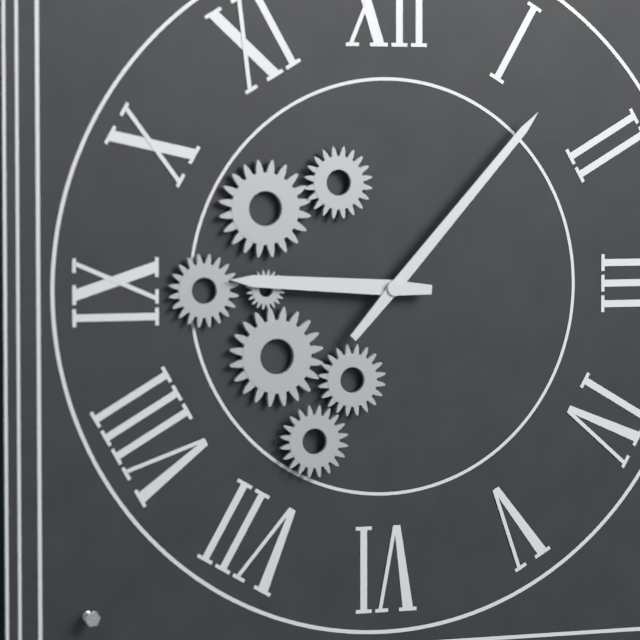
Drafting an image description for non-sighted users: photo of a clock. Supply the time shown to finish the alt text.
9:07
